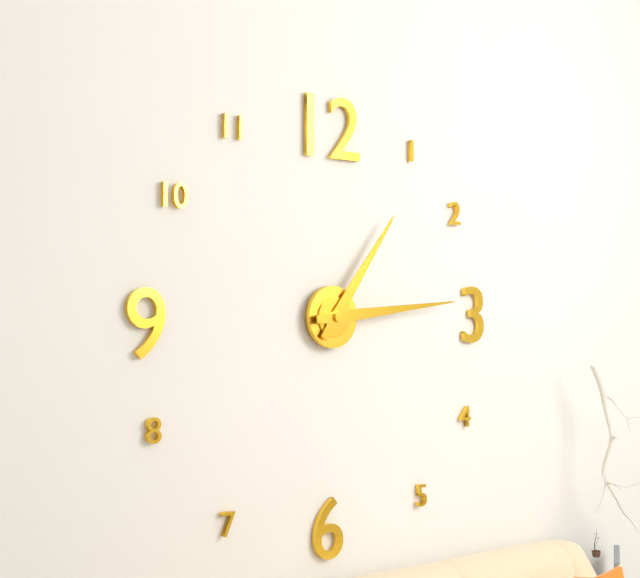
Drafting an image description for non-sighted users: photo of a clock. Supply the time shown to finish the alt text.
1:14
